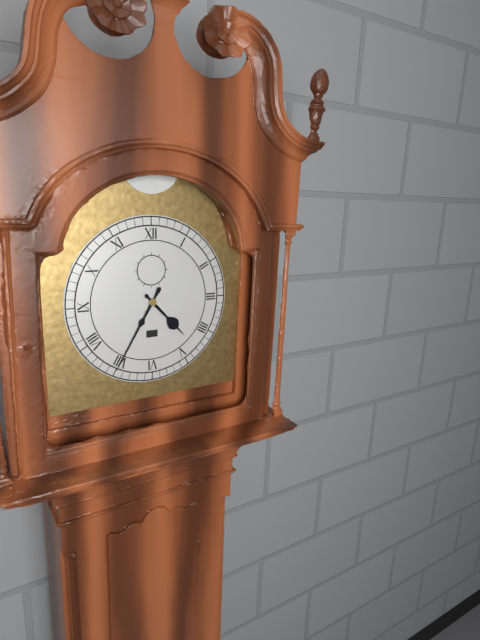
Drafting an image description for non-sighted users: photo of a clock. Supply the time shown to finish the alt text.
4:35
